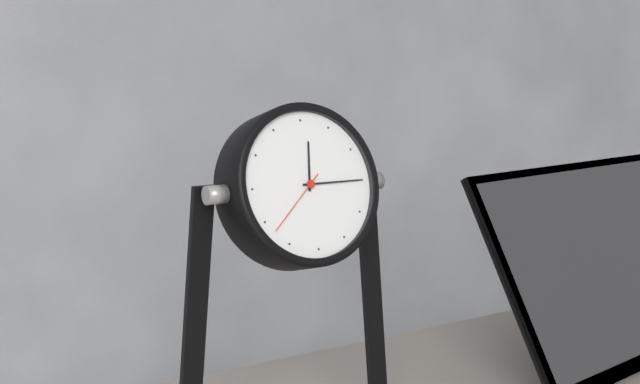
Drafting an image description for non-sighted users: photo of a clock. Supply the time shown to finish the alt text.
12:15:38
